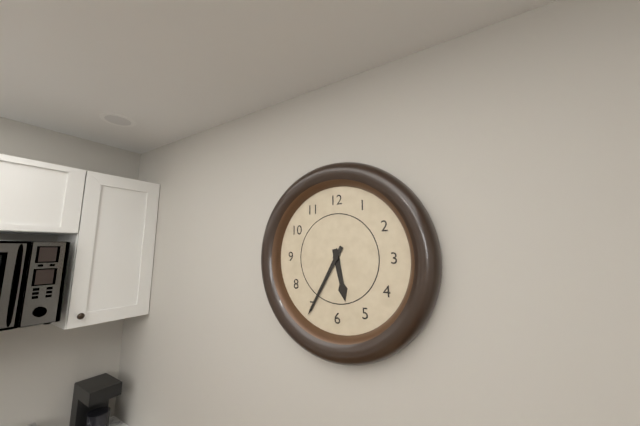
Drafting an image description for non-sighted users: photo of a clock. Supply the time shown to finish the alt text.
5:35
